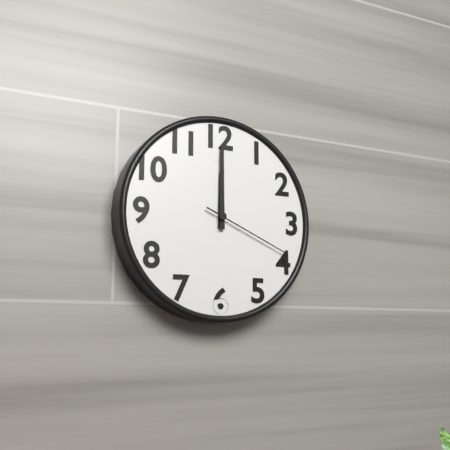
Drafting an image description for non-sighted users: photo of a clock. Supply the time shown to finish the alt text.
12:00:19
